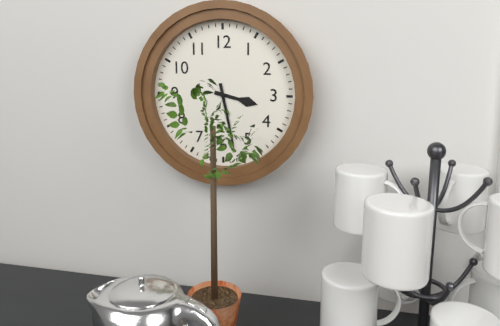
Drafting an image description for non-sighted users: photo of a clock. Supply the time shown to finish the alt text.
3:28
